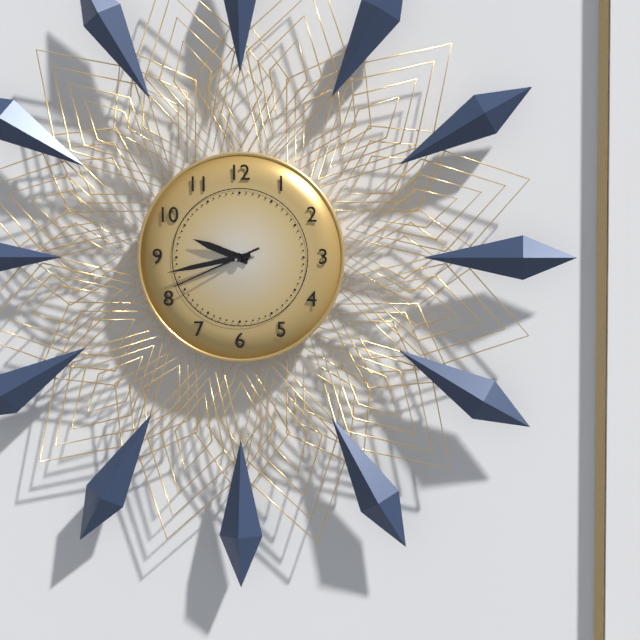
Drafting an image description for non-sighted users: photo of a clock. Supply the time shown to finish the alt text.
9:43:41
